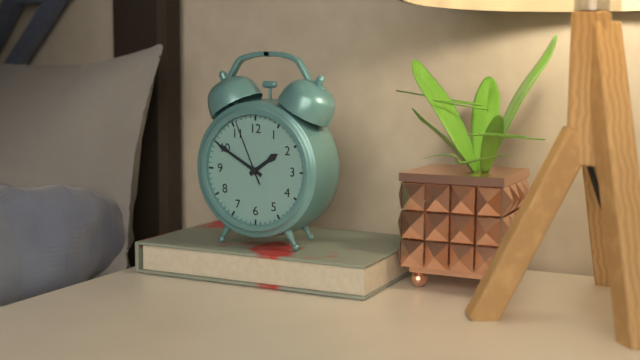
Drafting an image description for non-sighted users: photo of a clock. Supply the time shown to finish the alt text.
1:50:56
